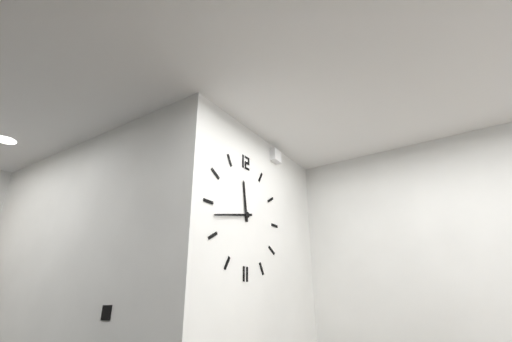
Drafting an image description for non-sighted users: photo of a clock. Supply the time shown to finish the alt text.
11:43
